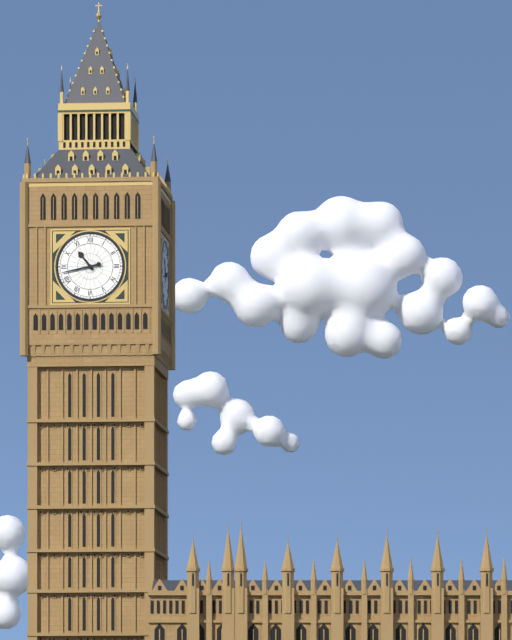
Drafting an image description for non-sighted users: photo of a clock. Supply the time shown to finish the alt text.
10:43
